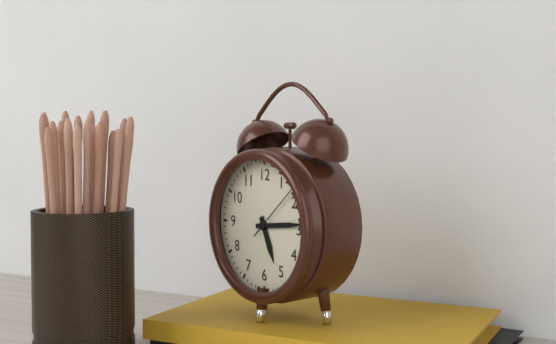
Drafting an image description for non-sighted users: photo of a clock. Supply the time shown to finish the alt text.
5:14:08
